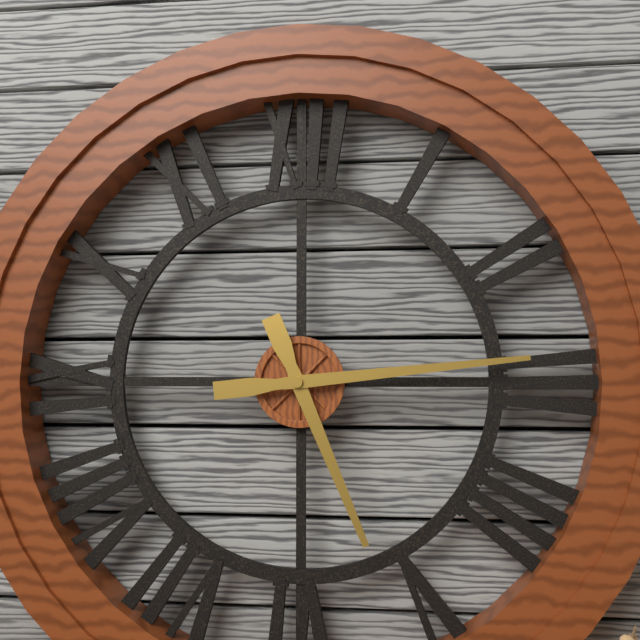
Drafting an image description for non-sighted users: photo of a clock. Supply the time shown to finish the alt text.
5:14
